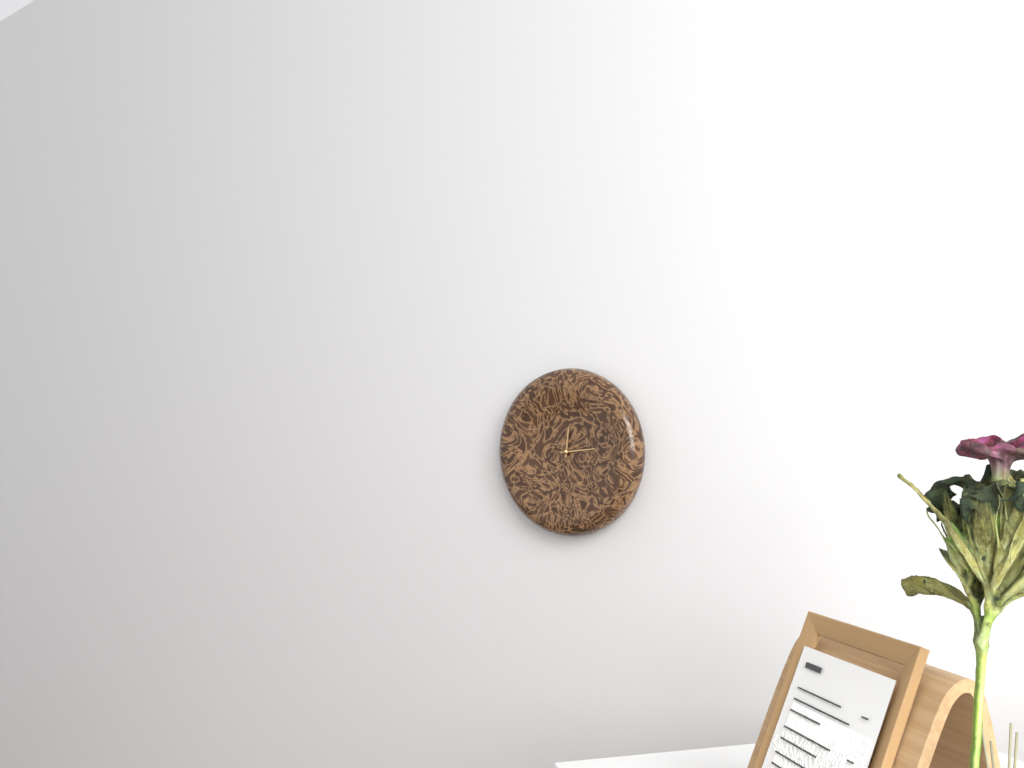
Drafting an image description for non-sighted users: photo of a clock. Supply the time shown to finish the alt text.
12:14
